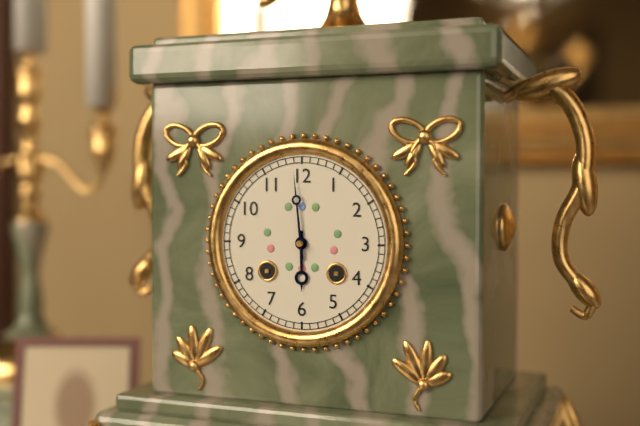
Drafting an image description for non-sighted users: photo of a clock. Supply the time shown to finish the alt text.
5:59
